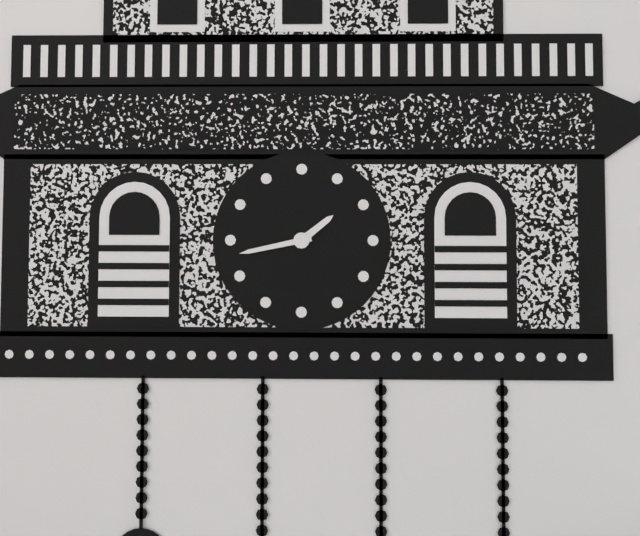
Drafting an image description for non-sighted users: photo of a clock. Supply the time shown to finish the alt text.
1:43
